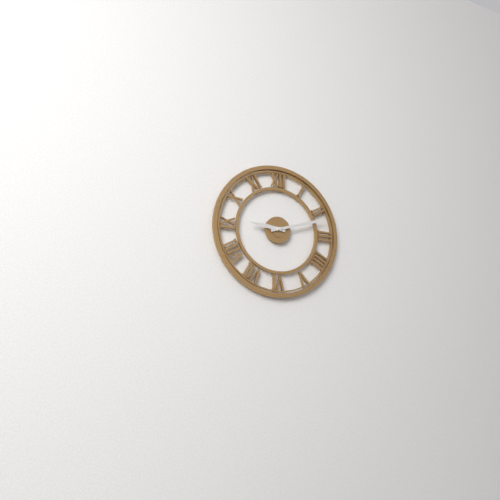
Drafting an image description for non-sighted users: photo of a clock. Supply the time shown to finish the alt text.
9:12
